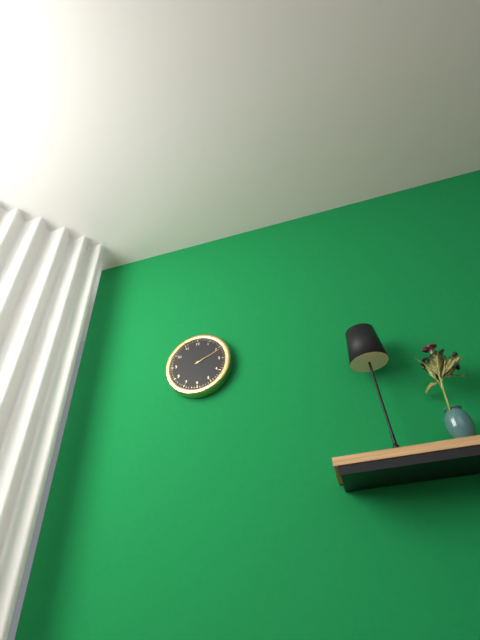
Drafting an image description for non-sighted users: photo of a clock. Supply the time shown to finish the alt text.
2:11
